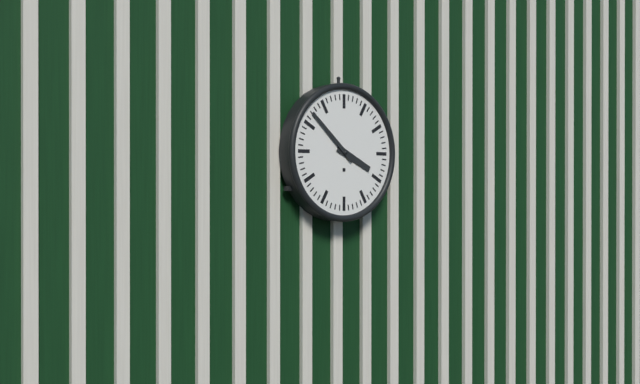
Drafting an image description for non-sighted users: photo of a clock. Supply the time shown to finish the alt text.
3:52
